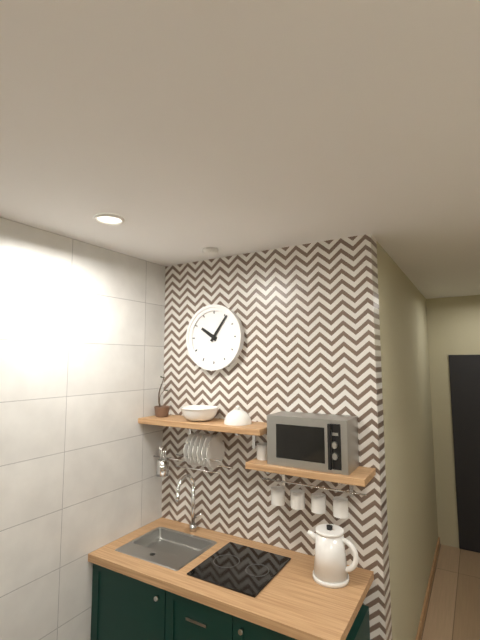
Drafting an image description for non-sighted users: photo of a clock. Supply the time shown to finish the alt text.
10:06
